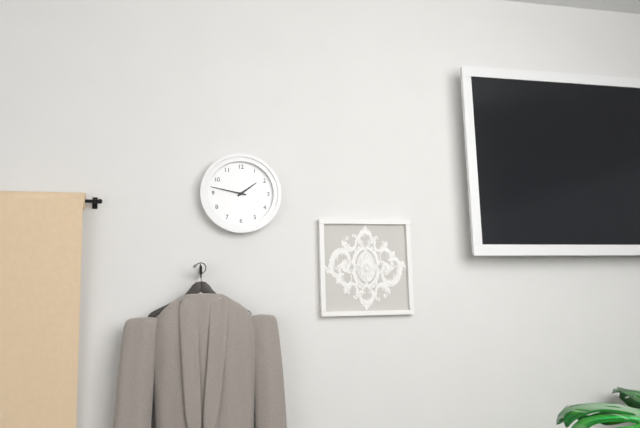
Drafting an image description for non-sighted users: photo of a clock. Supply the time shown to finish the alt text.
1:47
